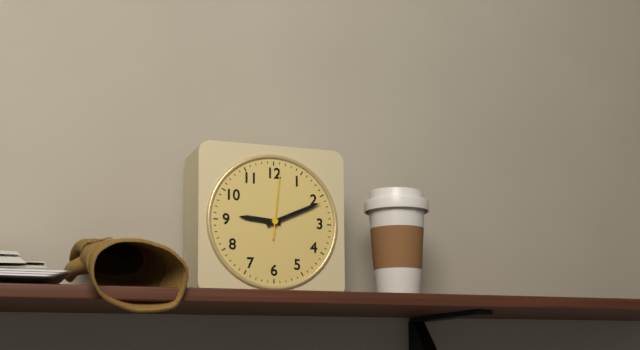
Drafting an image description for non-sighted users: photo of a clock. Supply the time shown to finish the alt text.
9:11:01
